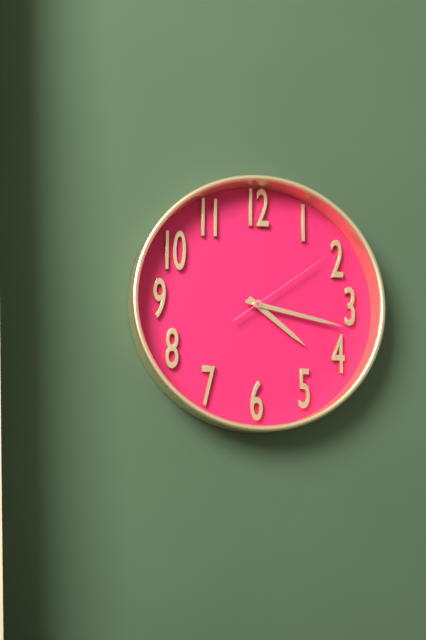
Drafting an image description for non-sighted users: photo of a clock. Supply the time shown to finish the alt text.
4:17:09
